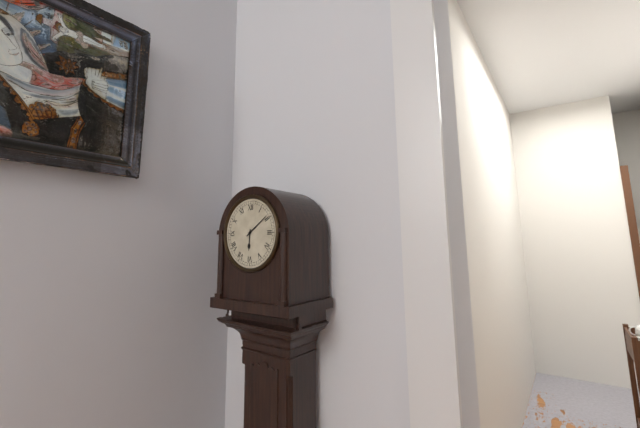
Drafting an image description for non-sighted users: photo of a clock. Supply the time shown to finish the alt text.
6:09
